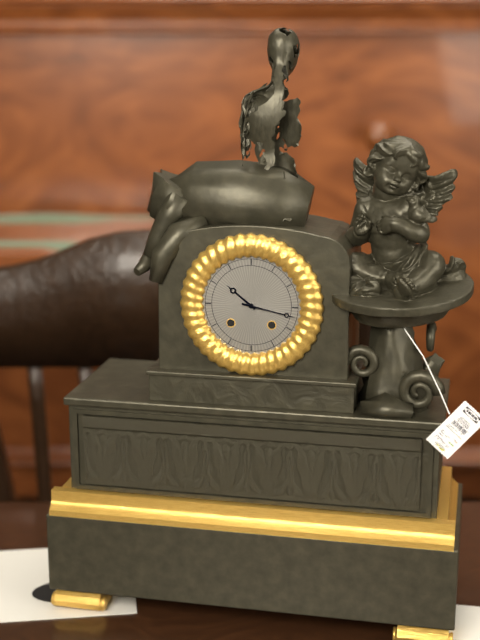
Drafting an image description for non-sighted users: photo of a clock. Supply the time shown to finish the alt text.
10:17
